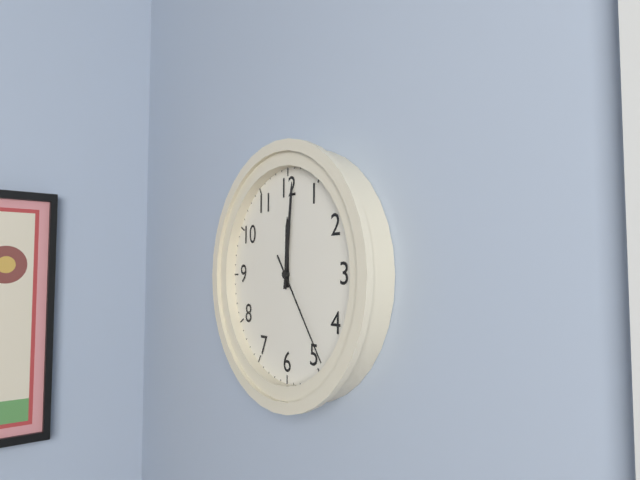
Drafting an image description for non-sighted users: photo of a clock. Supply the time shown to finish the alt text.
12:01:24
